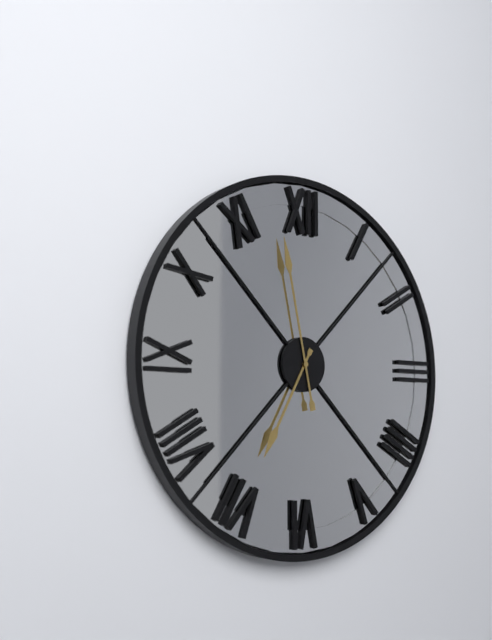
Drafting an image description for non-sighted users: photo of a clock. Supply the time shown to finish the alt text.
6:58
